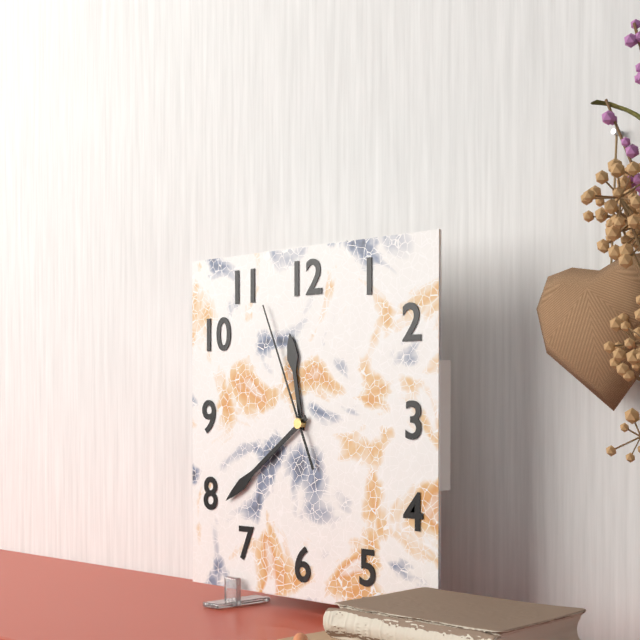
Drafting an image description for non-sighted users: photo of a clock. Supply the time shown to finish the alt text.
11:39:56
